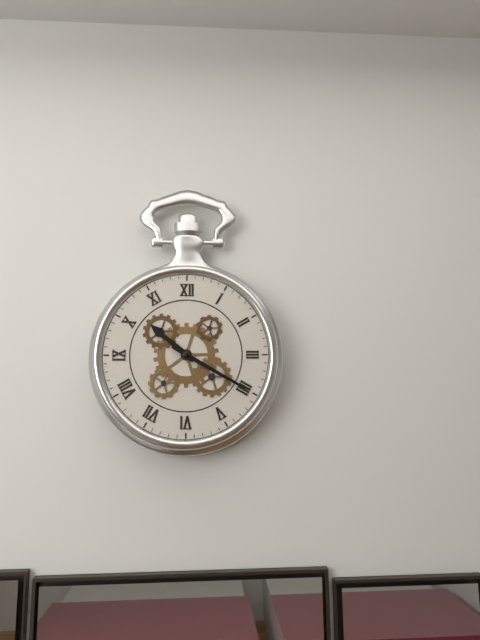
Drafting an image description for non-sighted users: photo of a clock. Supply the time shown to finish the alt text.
10:20
